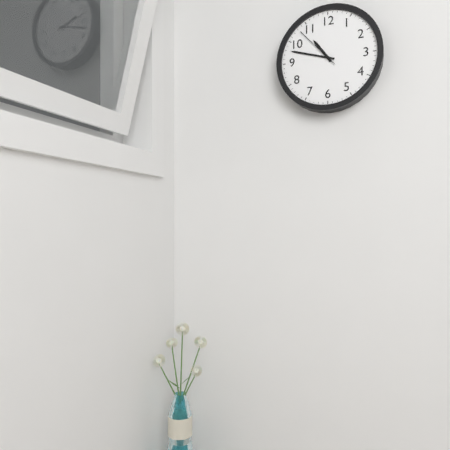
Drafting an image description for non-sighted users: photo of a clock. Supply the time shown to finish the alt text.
10:48
